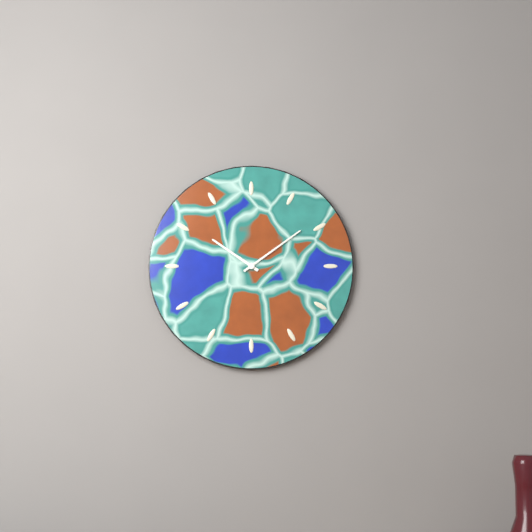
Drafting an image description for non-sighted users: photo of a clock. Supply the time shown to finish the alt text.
10:09
